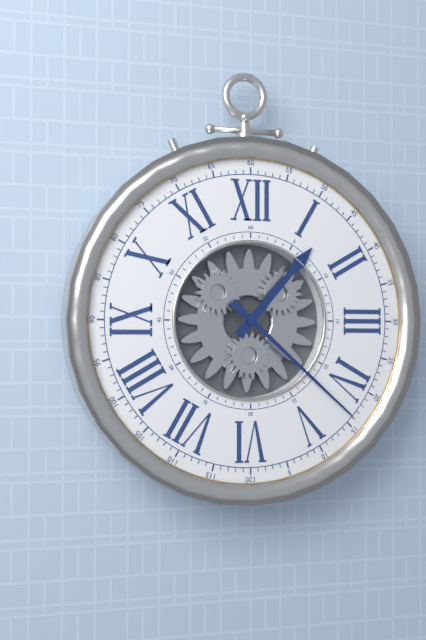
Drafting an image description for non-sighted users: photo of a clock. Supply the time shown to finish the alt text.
1:22
